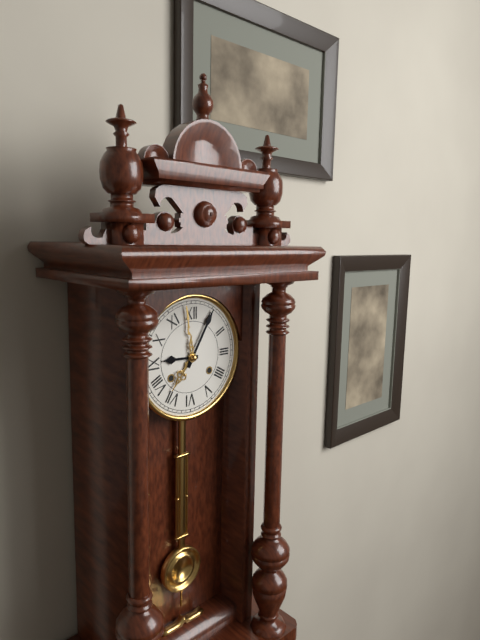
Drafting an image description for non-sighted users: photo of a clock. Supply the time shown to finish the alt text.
9:05
